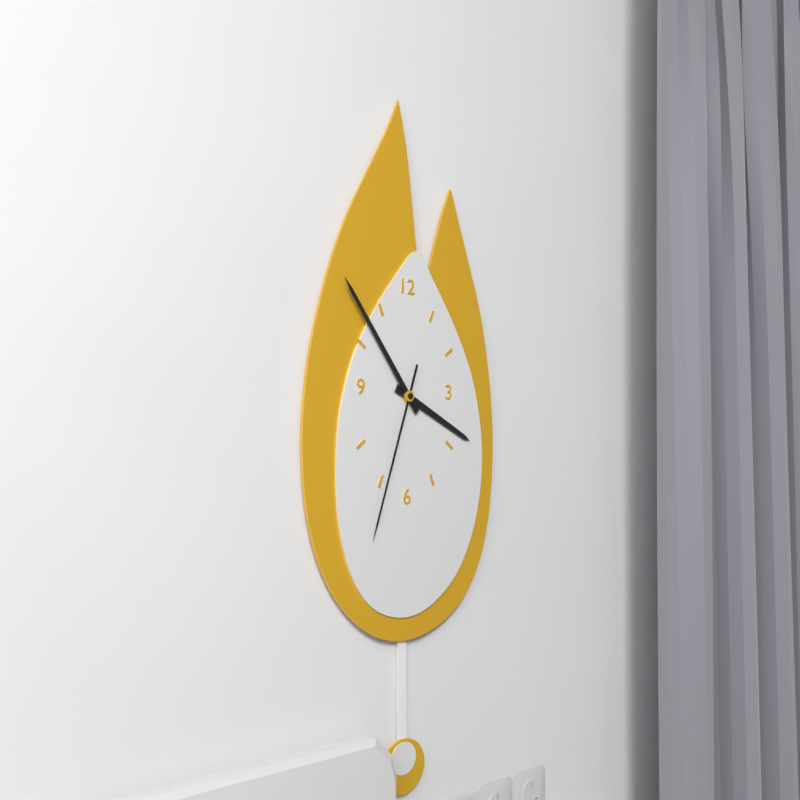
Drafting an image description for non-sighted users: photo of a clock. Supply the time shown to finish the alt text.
3:54:33
